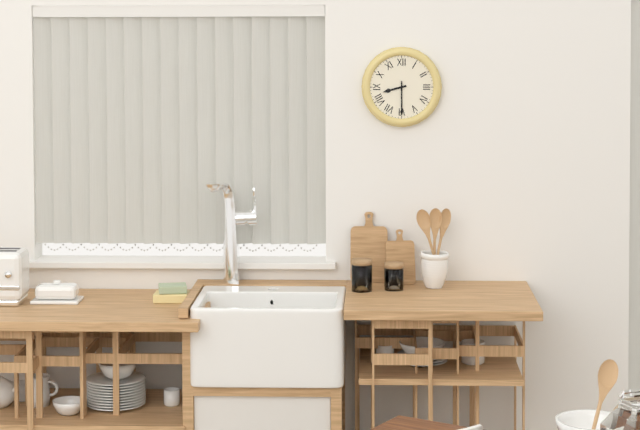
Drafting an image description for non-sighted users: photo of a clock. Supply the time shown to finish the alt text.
8:30
